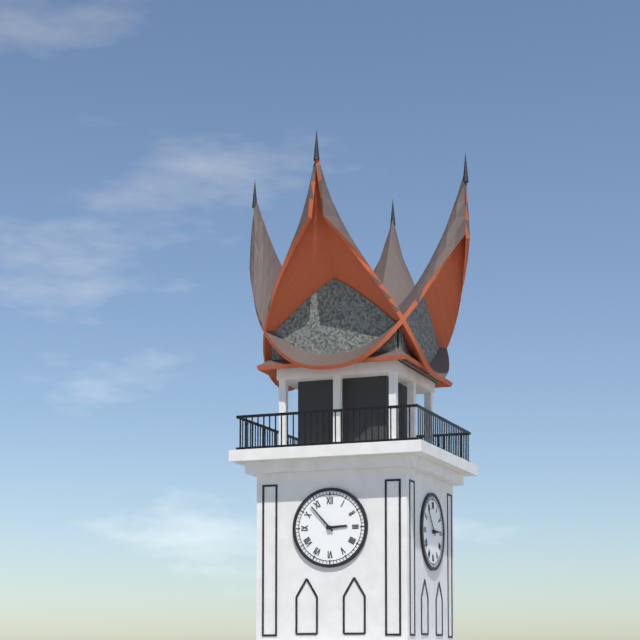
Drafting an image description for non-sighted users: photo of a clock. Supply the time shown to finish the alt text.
2:53
